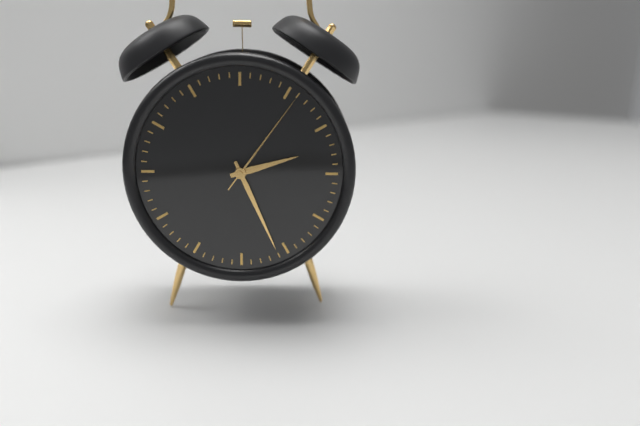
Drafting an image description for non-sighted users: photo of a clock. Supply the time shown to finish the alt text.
2:26:06
